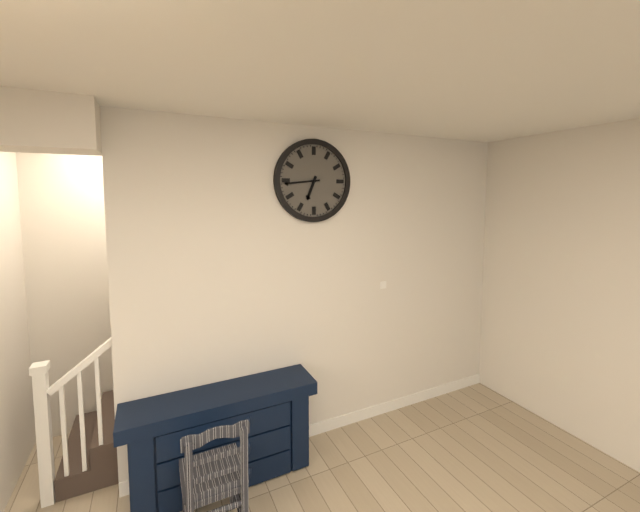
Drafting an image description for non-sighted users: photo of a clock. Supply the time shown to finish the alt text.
6:44
